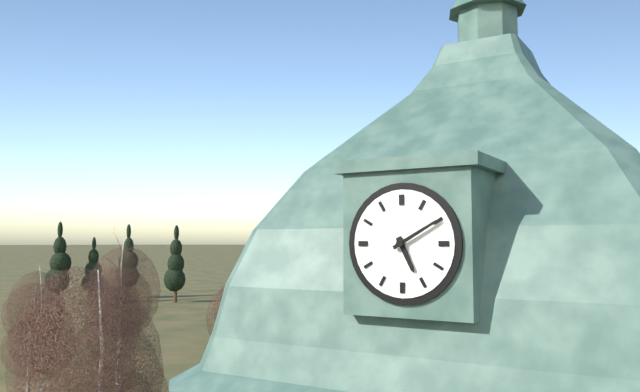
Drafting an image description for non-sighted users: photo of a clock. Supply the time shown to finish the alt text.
5:10
